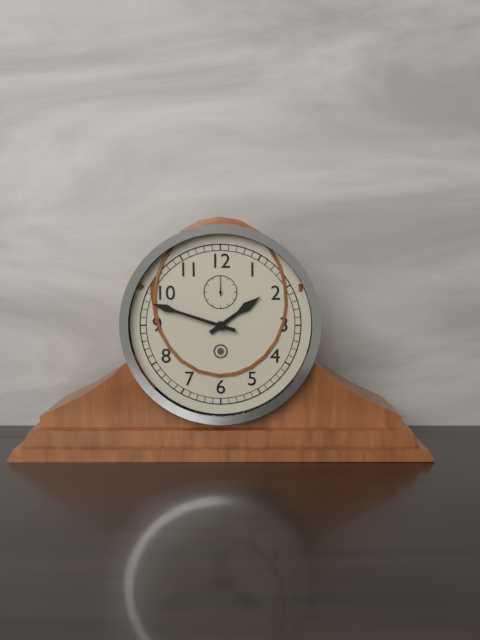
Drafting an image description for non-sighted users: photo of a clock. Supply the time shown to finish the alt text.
1:48
